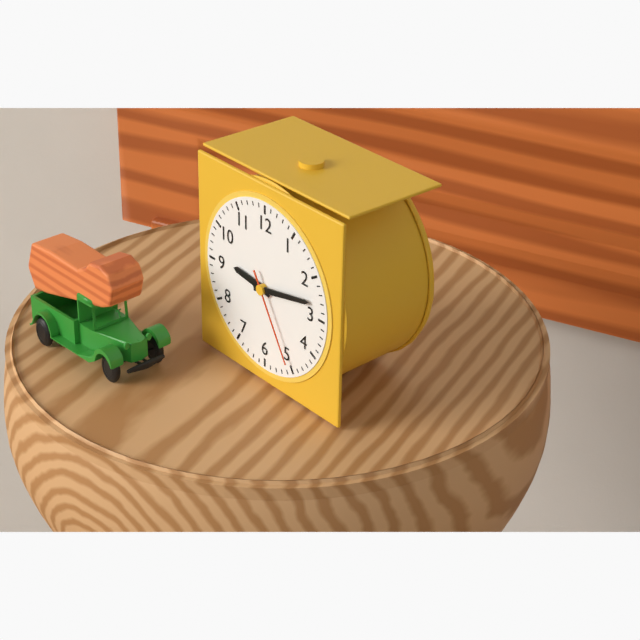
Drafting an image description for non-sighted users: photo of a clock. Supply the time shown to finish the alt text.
9:13:25
